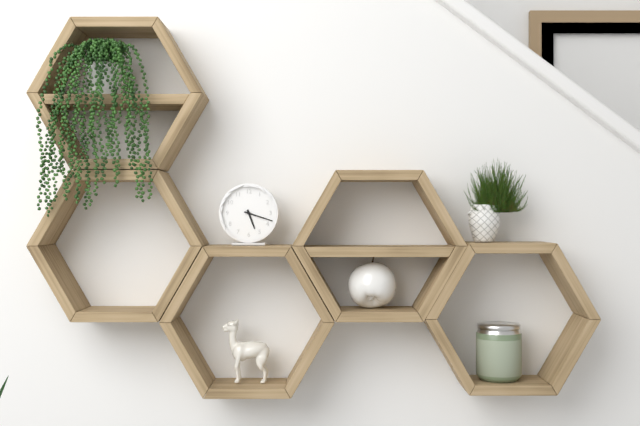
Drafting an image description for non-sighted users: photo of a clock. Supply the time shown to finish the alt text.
5:18
